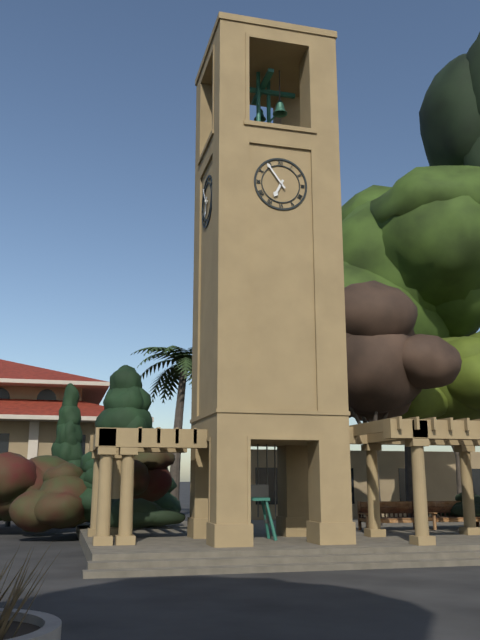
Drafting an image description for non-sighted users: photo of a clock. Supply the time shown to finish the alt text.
6:54
